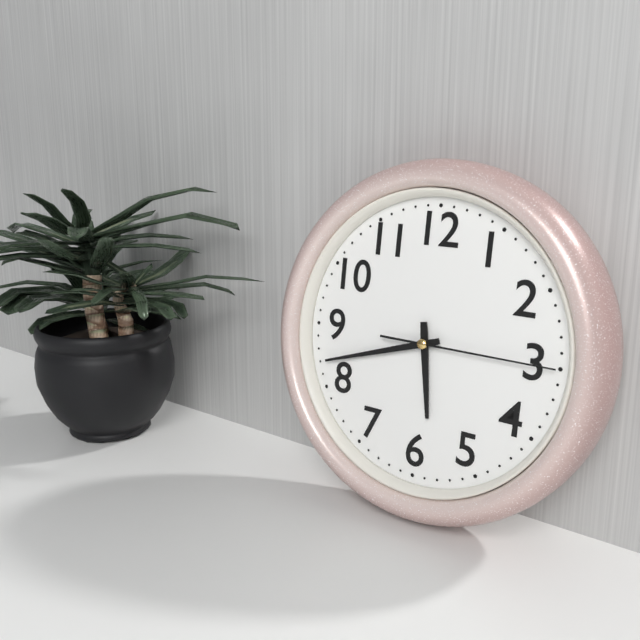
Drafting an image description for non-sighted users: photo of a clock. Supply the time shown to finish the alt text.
5:42:15
